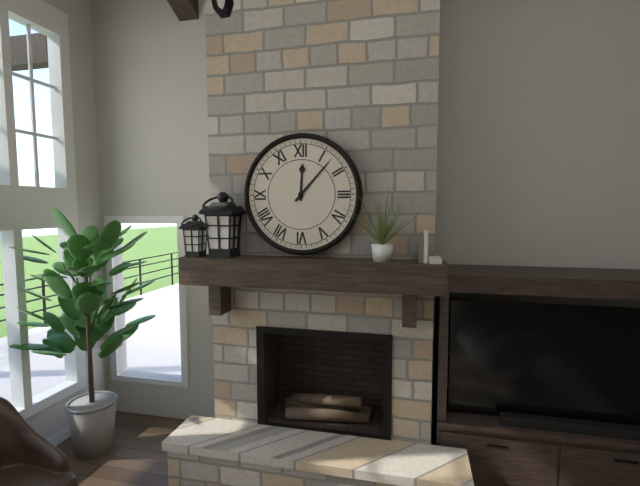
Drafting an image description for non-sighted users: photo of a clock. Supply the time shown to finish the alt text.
12:07
